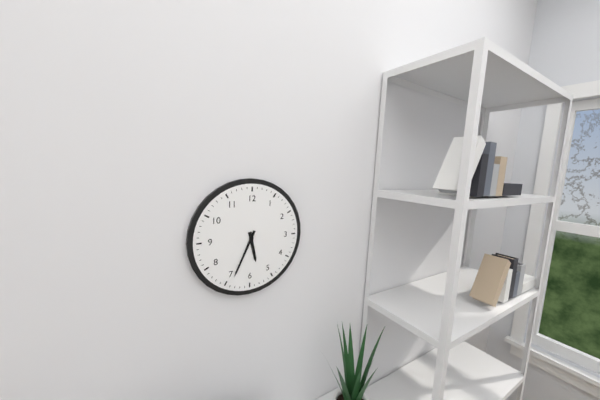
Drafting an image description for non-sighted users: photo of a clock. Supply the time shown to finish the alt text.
5:34
